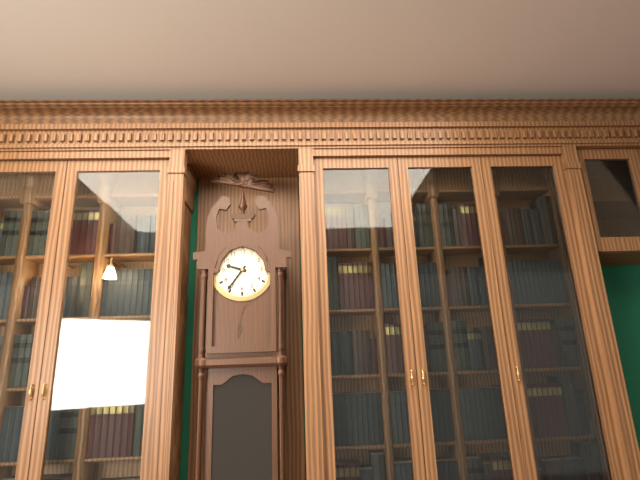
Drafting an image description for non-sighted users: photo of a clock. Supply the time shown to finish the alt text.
9:36
